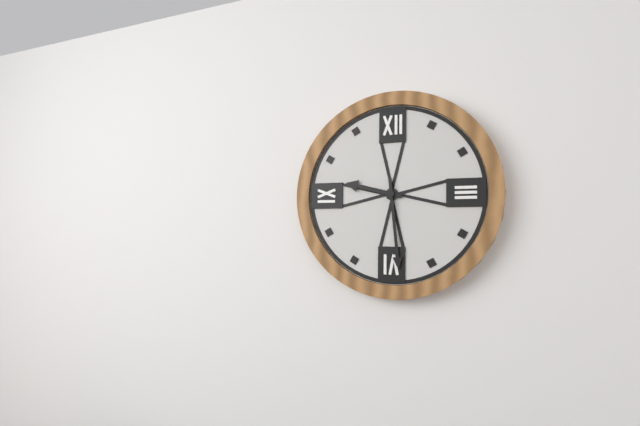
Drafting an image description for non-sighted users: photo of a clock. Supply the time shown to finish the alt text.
9:29
